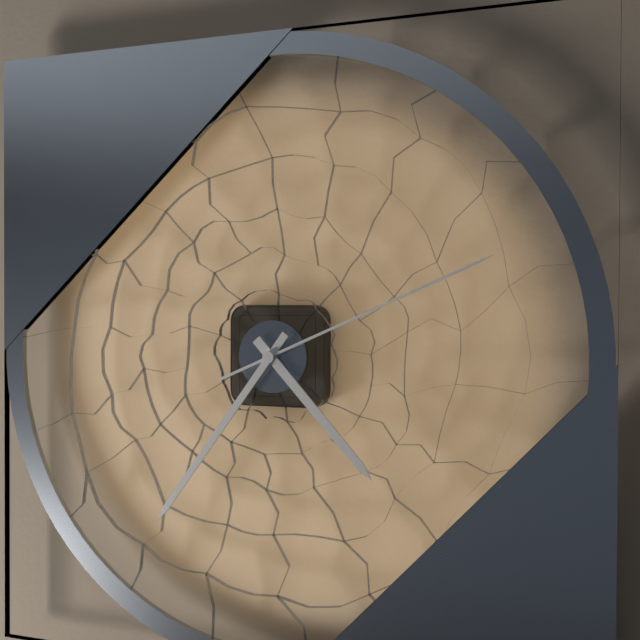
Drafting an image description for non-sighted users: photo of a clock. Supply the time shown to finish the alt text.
4:36:11
